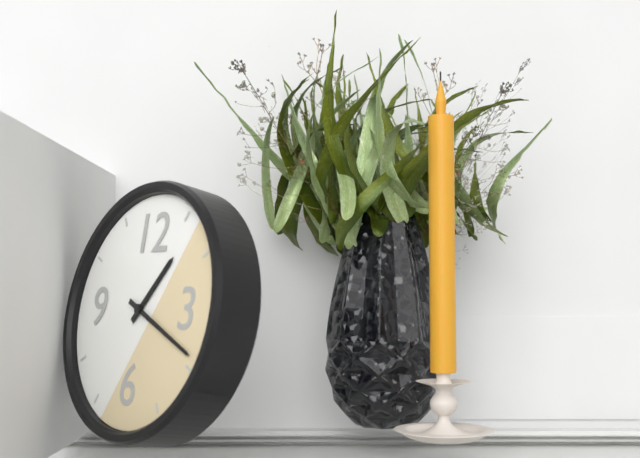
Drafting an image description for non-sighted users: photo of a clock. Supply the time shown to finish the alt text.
1:19
